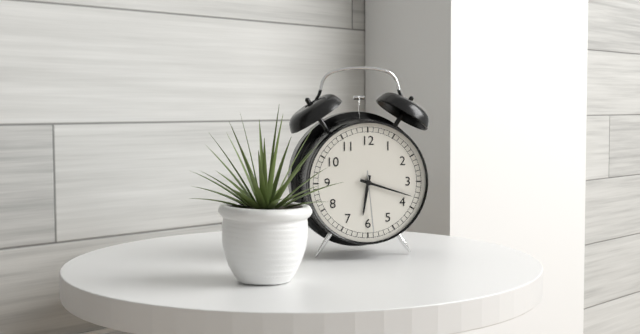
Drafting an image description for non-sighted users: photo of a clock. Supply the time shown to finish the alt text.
6:18:29
